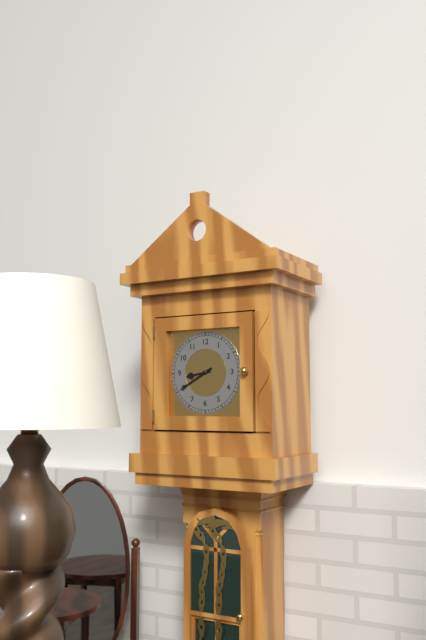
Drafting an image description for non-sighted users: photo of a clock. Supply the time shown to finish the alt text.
8:40
